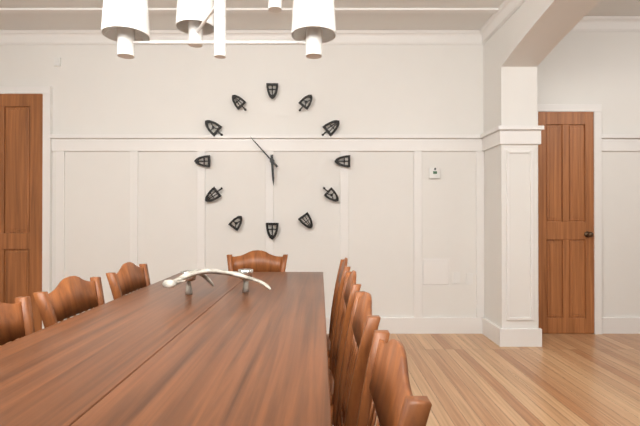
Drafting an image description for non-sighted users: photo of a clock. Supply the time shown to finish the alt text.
5:53
